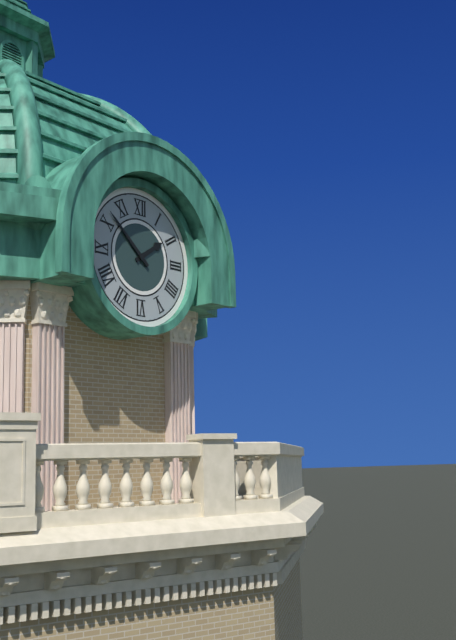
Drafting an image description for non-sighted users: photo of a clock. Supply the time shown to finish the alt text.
1:52
